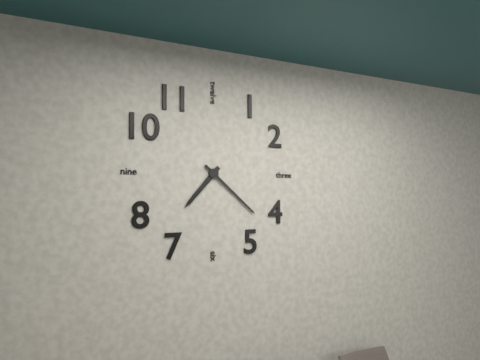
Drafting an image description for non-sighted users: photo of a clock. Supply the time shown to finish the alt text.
7:22
